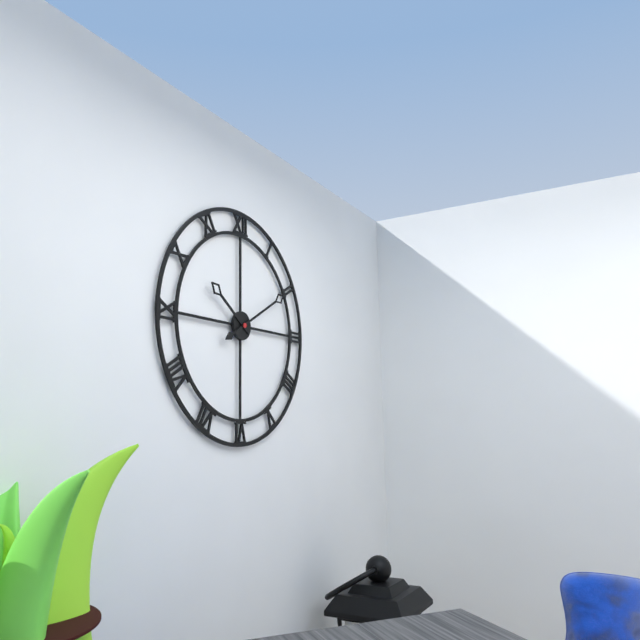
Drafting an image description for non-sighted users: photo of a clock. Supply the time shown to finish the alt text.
10:10
